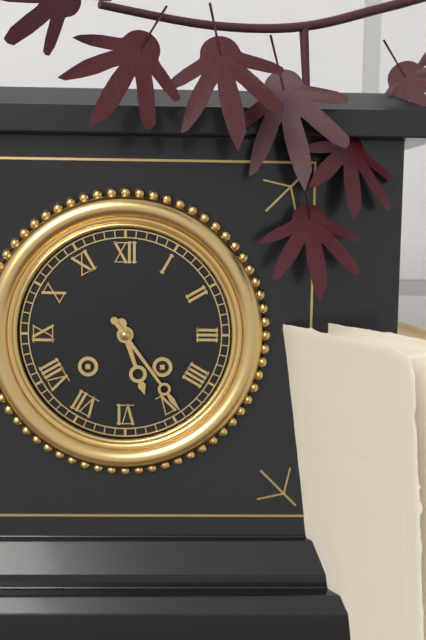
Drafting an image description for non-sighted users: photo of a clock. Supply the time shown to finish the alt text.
5:24
